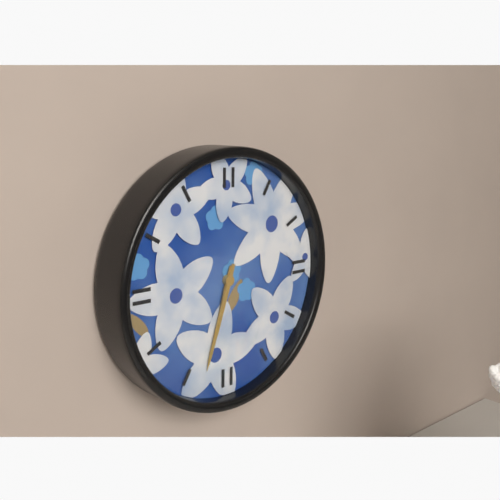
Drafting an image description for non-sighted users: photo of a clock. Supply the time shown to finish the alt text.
6:33
